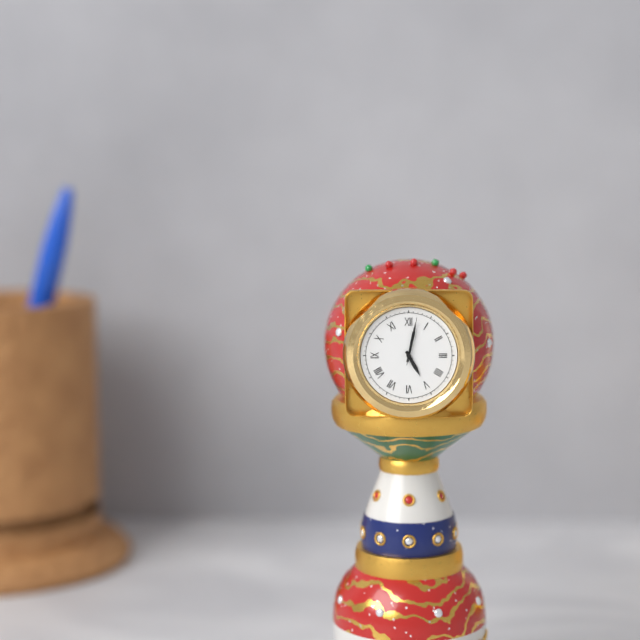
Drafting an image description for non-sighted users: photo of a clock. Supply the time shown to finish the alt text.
5:02
